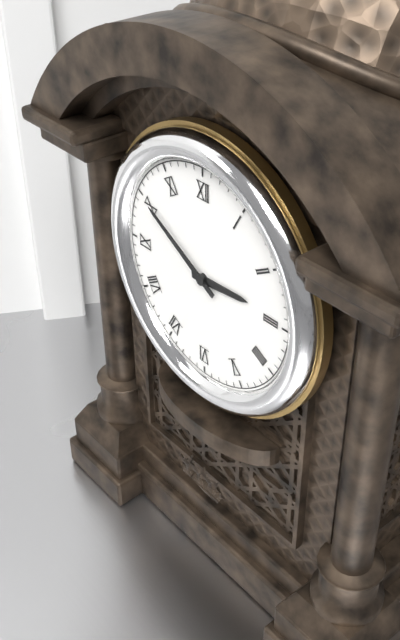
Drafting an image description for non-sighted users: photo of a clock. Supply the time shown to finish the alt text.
2:50
